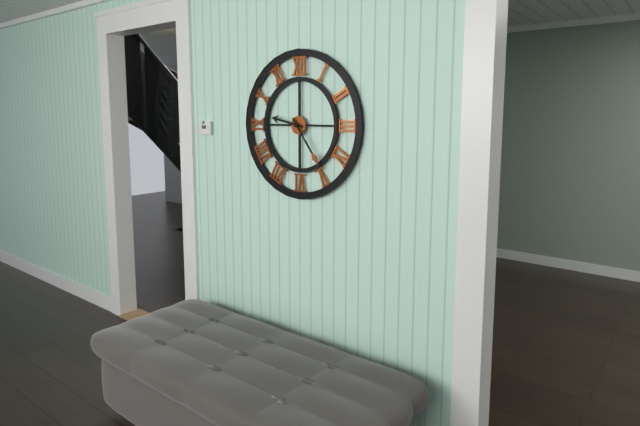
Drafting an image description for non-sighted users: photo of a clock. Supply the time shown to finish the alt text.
9:24
